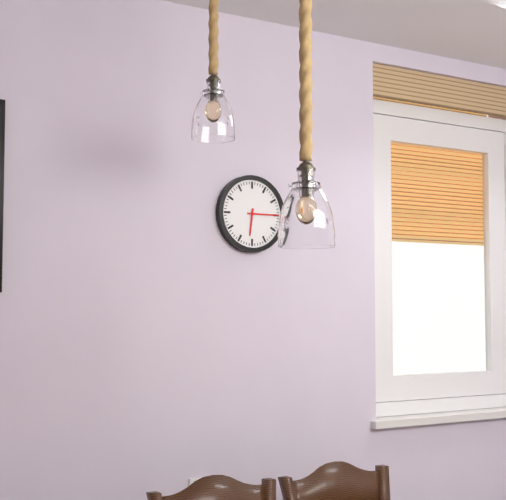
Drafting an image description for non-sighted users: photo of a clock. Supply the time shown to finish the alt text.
6:15
